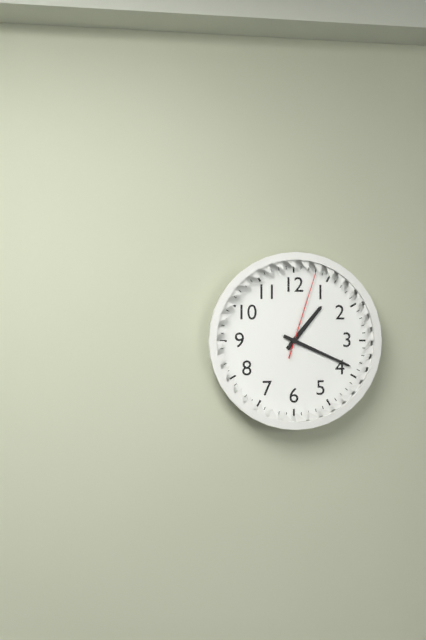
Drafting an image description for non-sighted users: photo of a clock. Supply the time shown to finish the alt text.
1:19:03
